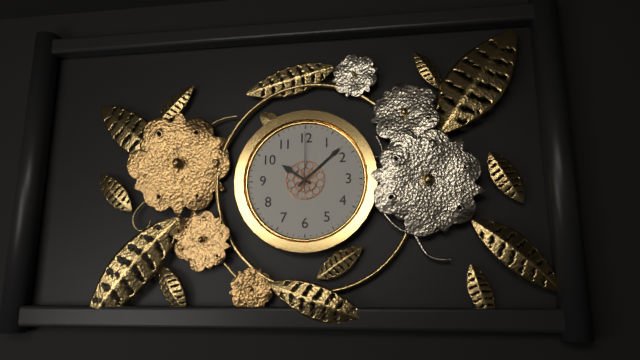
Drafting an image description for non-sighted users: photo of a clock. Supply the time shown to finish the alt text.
10:08:00
